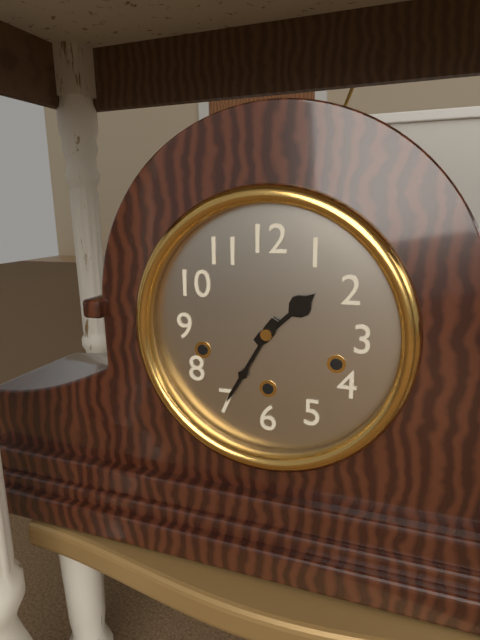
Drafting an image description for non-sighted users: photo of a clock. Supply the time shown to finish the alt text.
1:35
